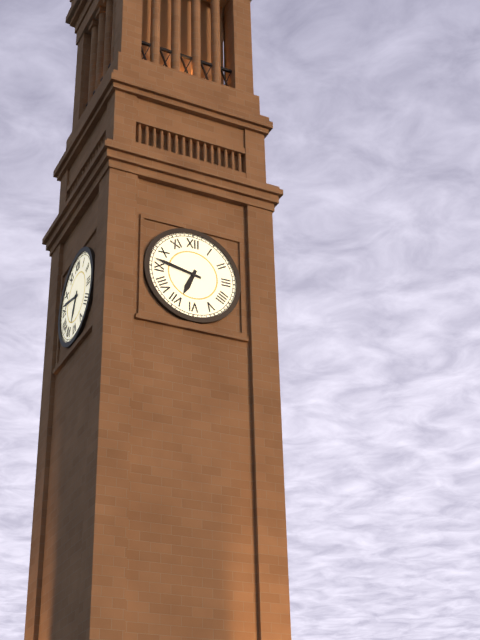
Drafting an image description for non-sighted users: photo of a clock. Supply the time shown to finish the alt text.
6:47
